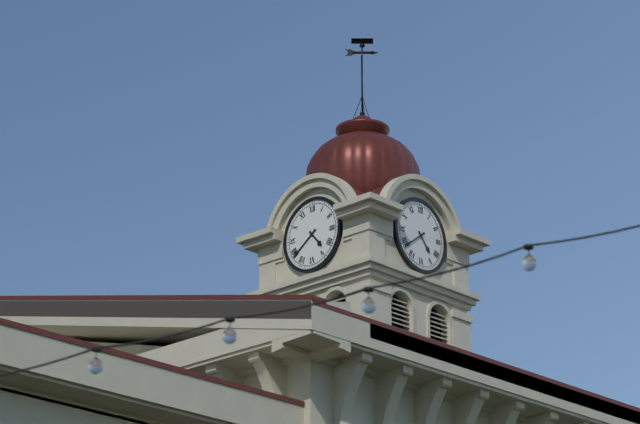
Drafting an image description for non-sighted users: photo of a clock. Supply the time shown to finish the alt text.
4:39
